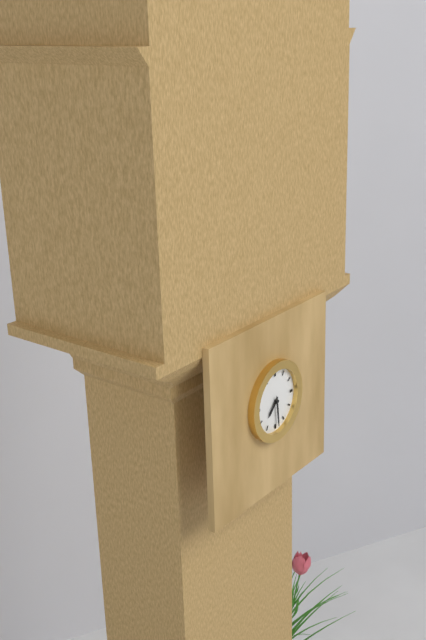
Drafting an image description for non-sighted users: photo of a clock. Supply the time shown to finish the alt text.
7:29
